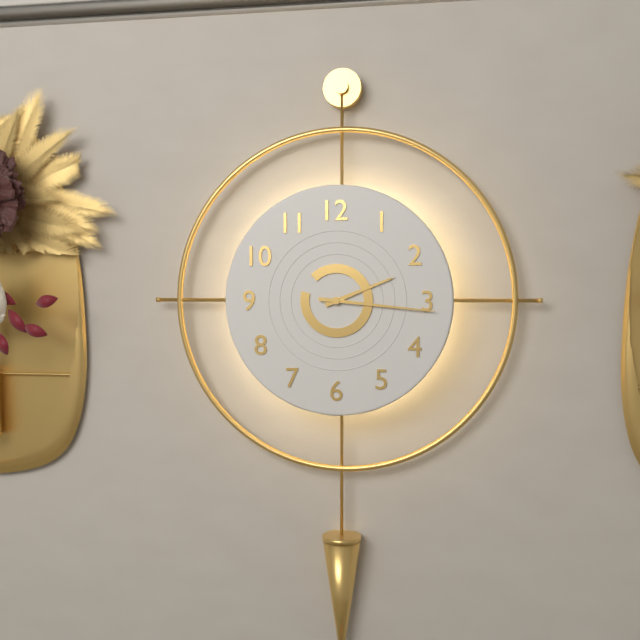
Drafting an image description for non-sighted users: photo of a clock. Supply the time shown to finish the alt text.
2:16
